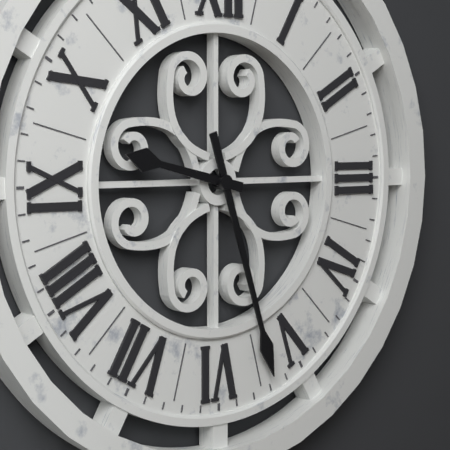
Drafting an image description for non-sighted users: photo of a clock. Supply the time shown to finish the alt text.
9:27
